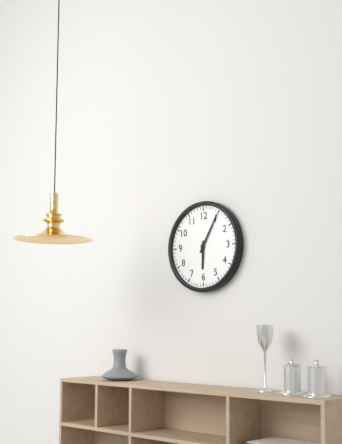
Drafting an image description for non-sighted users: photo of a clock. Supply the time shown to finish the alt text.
6:05
